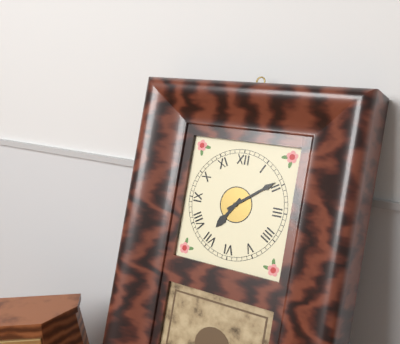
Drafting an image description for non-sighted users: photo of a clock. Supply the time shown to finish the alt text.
7:09
